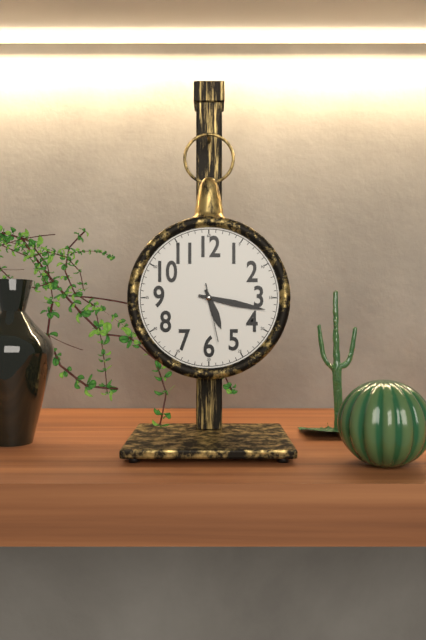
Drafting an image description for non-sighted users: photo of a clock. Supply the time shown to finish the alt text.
5:17:28
